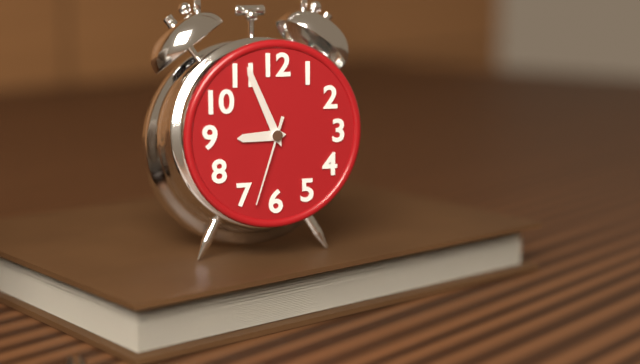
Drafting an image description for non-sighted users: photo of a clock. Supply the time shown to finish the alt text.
8:56:33
